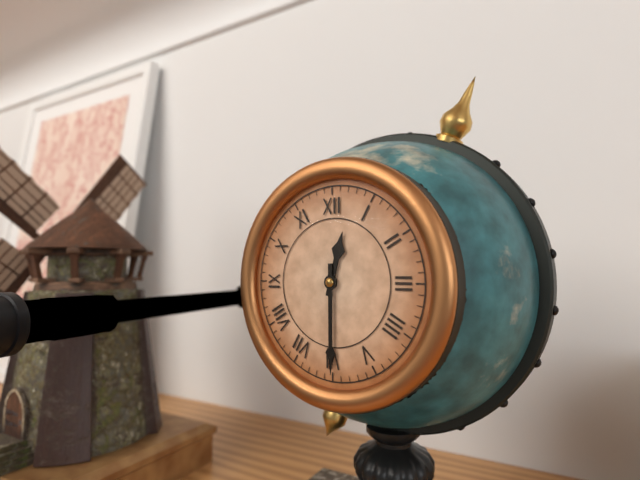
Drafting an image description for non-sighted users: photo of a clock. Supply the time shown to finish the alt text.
12:30
